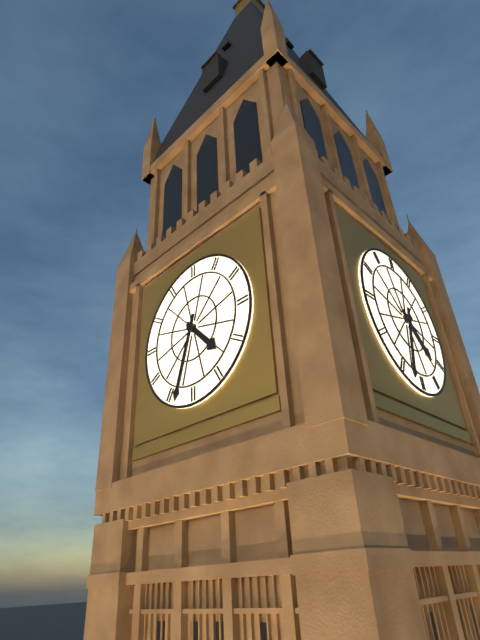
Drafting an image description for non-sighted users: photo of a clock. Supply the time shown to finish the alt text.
4:33
